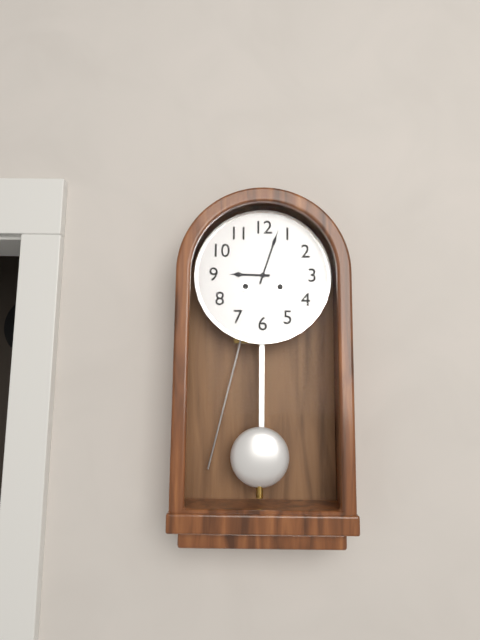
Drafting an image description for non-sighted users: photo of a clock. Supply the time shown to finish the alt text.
9:03
